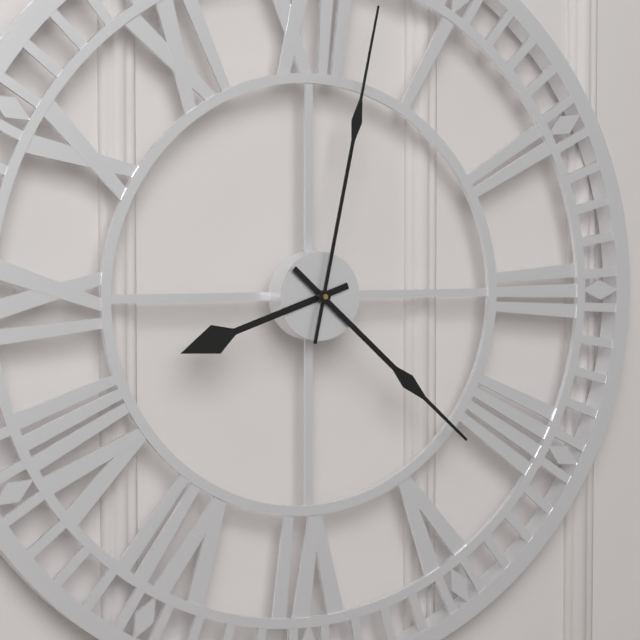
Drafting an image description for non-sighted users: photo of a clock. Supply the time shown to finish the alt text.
8:22:02
